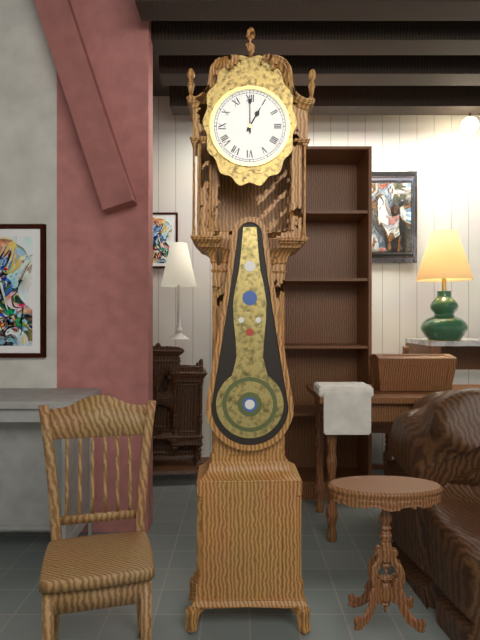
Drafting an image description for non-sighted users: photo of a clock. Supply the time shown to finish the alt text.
1:00
